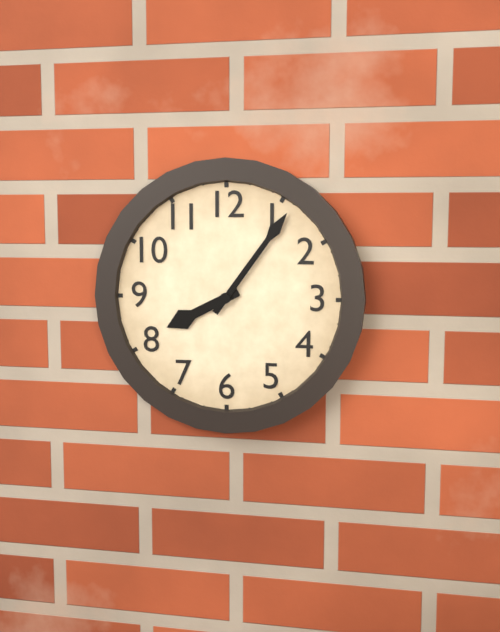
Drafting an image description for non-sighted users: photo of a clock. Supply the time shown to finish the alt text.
8:06
